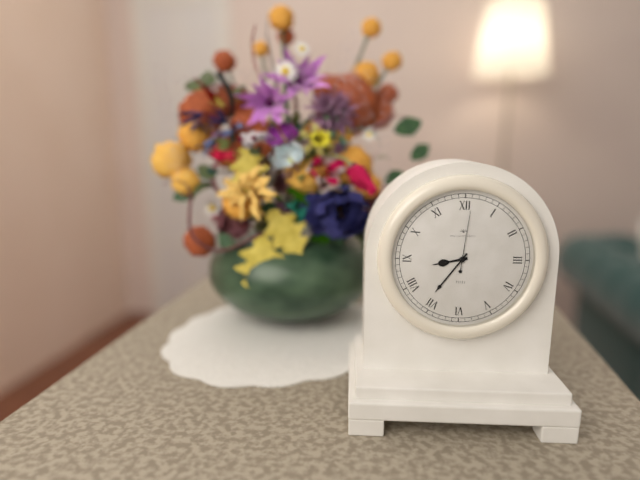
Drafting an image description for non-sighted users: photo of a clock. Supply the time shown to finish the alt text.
8:36:01
